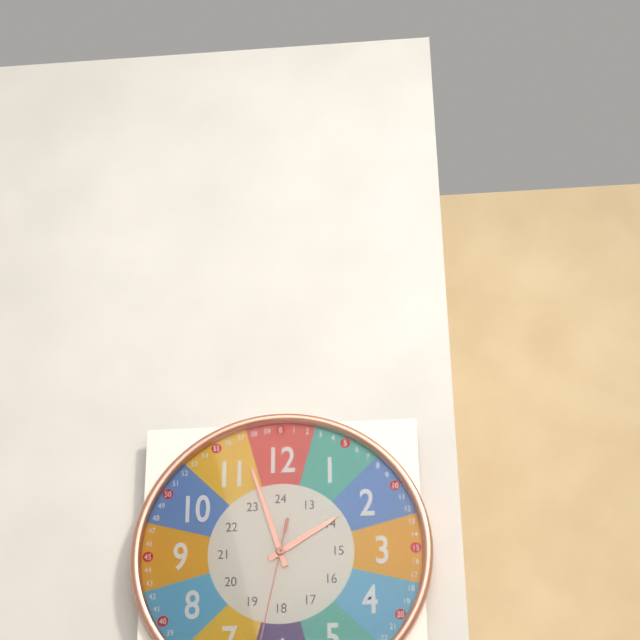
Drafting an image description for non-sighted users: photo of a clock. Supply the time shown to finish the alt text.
1:57
